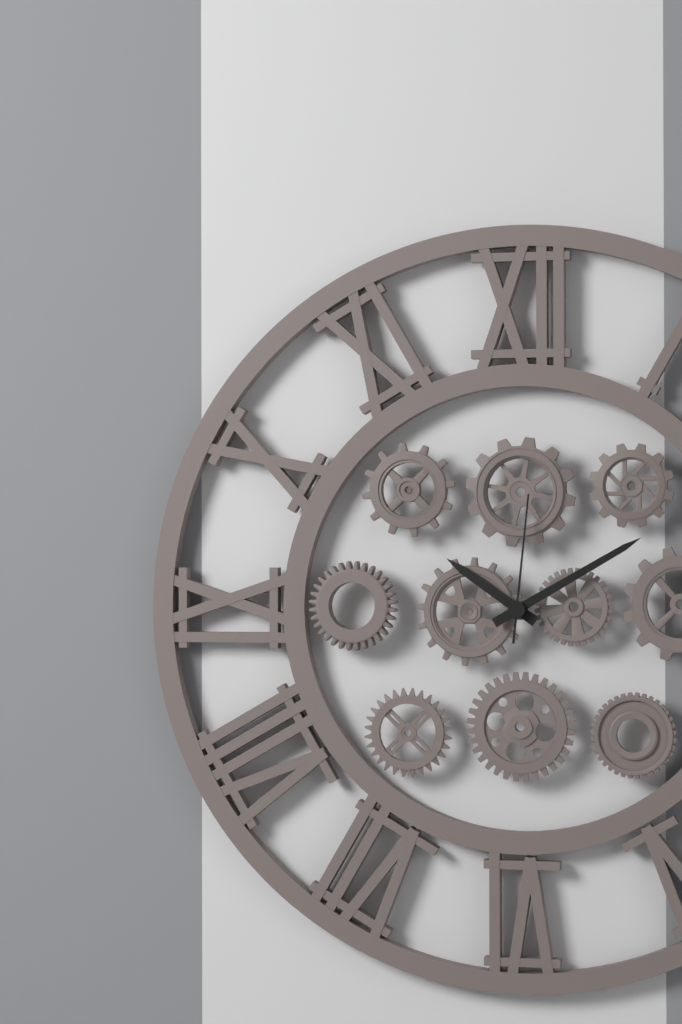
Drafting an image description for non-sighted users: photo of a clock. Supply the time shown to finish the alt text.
10:10:01
